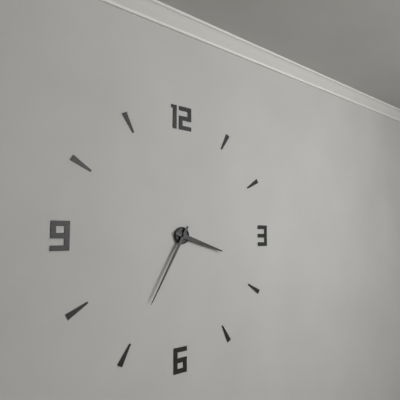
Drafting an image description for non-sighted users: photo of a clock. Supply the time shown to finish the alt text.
3:35
